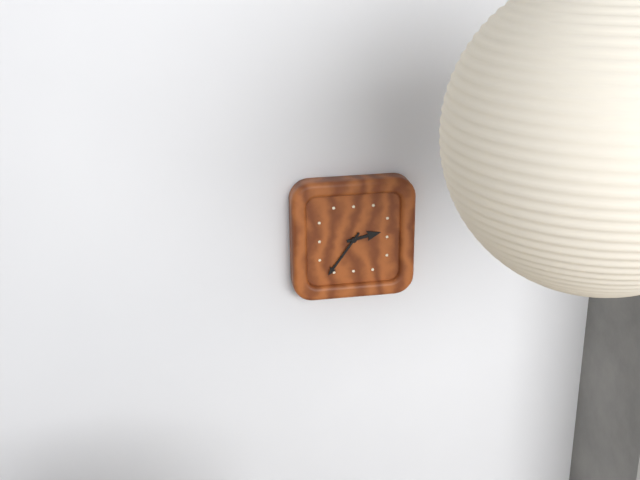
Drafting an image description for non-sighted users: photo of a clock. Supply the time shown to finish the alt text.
2:36
